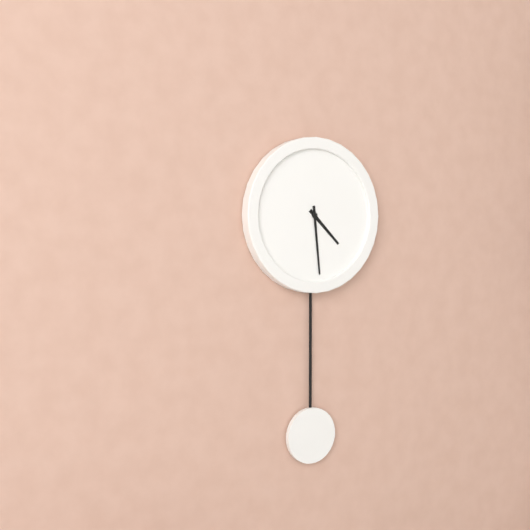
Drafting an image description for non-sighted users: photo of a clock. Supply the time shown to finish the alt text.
4:29
